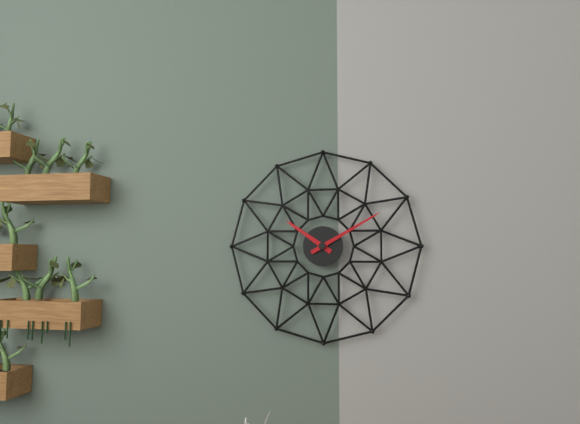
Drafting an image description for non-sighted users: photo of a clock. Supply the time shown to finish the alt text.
10:10
